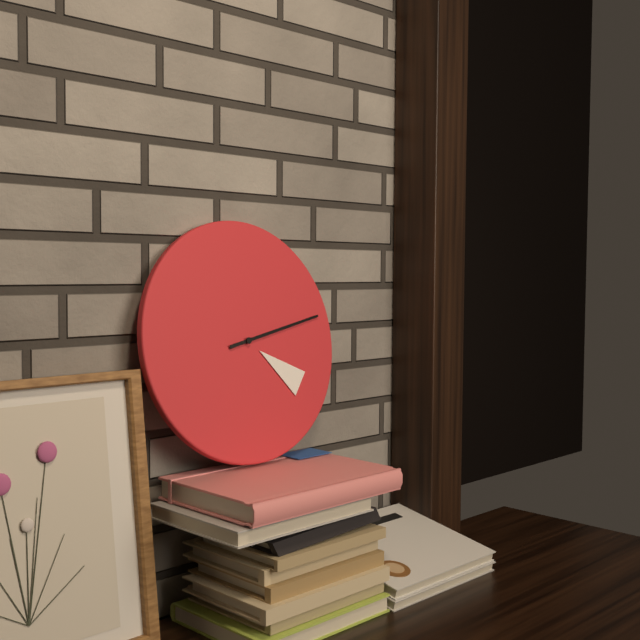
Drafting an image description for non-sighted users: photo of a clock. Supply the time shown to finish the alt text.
4:13
